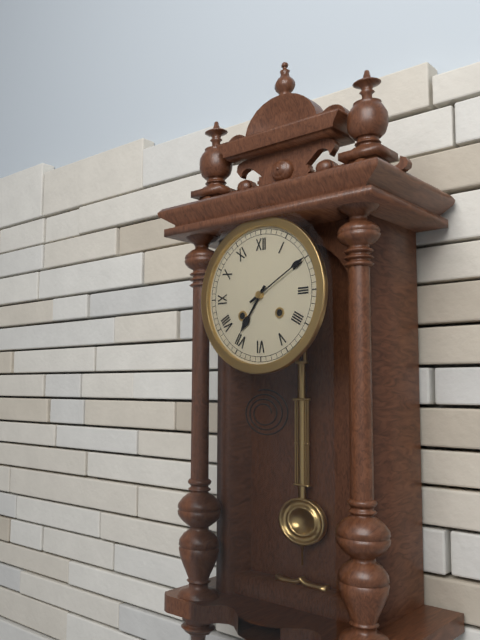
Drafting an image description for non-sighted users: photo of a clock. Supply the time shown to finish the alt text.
7:10
